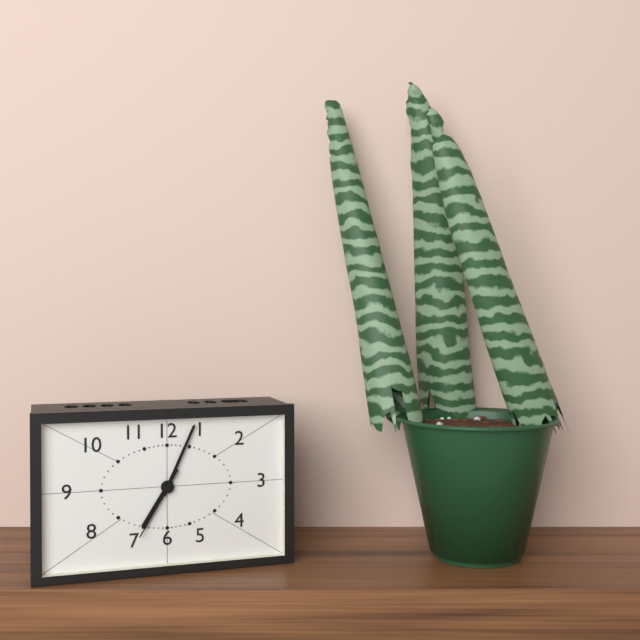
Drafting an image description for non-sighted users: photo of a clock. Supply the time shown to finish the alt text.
7:04:35
